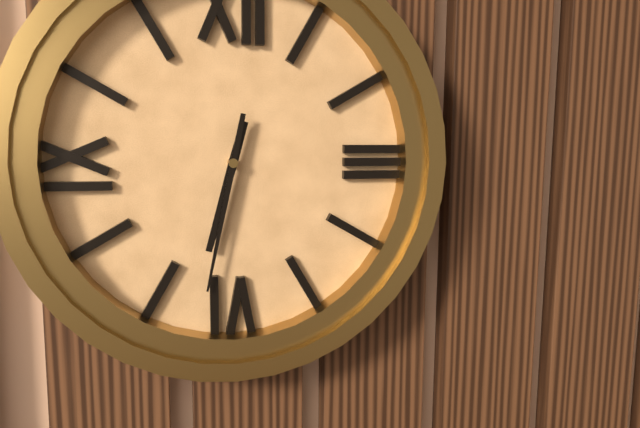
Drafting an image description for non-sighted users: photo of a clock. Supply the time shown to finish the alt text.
6:32
